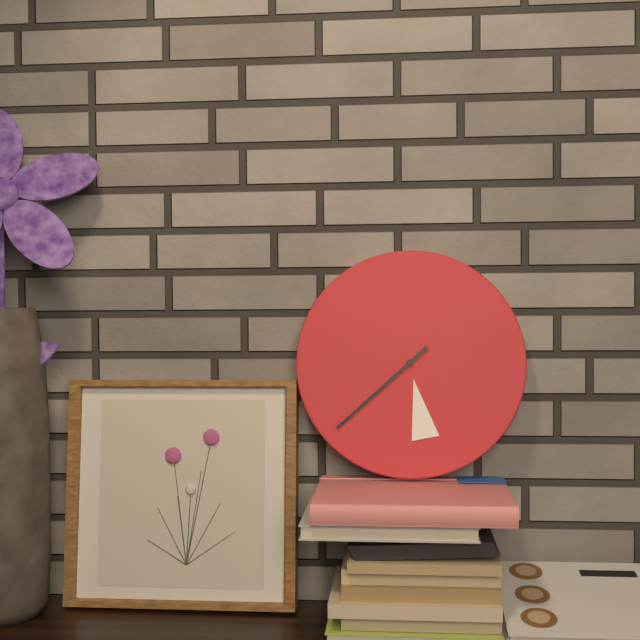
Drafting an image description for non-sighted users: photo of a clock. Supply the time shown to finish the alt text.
5:38
